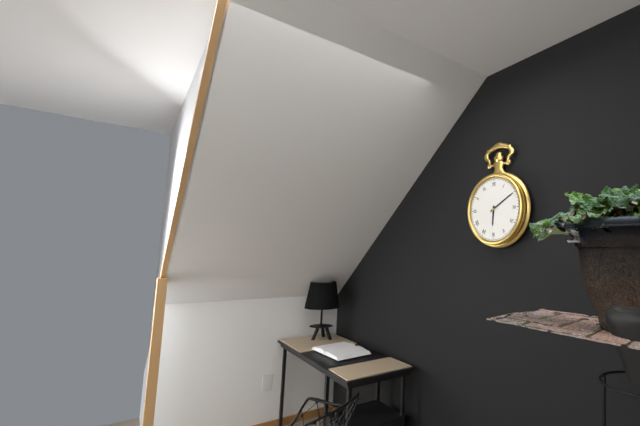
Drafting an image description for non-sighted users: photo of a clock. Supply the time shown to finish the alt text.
6:10
